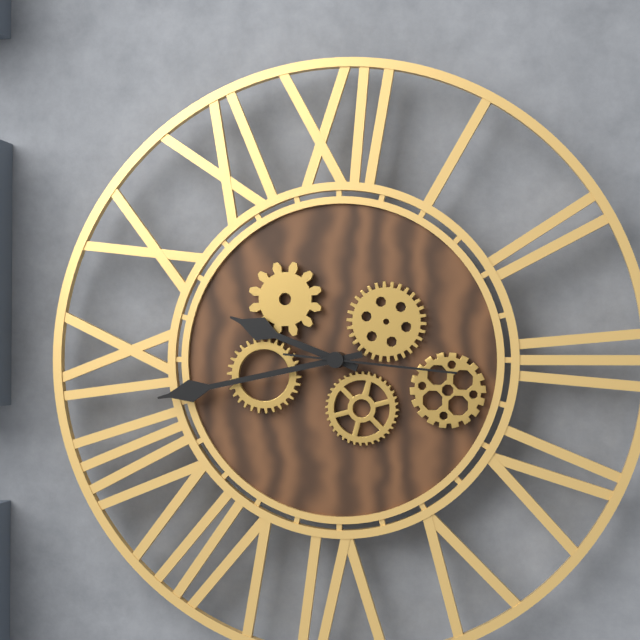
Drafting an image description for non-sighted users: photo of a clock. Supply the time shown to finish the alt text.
9:43:16
